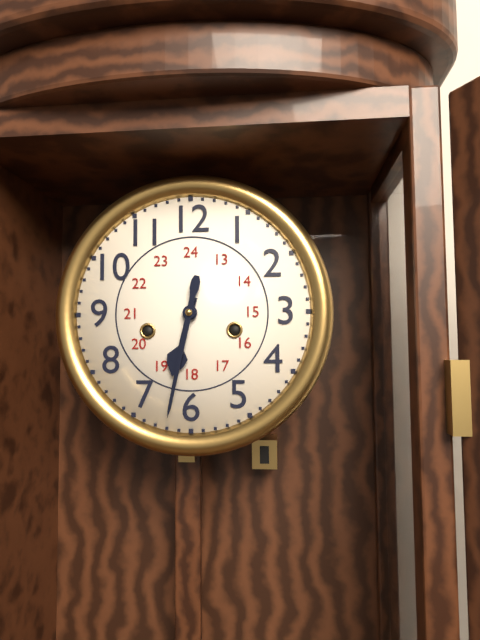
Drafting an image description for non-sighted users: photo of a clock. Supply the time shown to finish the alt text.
6:32
